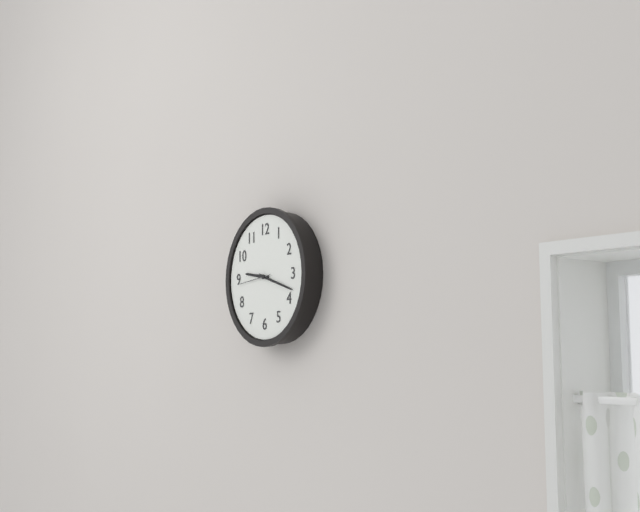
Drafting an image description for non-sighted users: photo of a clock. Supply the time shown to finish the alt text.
9:18
